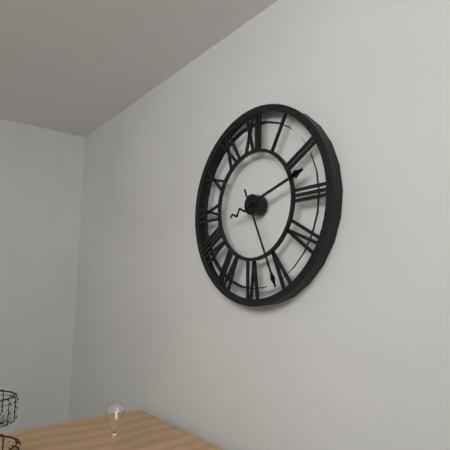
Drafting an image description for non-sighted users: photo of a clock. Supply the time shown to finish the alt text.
2:26
